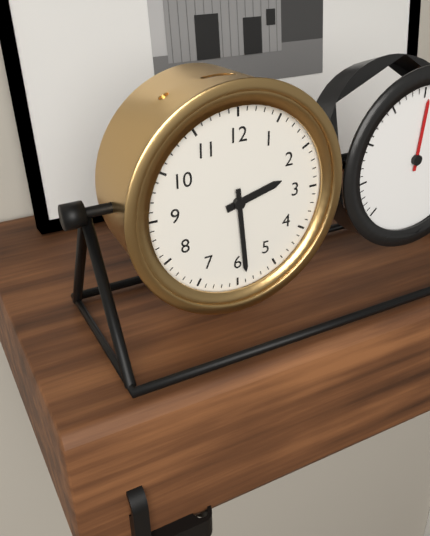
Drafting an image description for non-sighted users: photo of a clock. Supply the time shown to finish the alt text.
2:29
